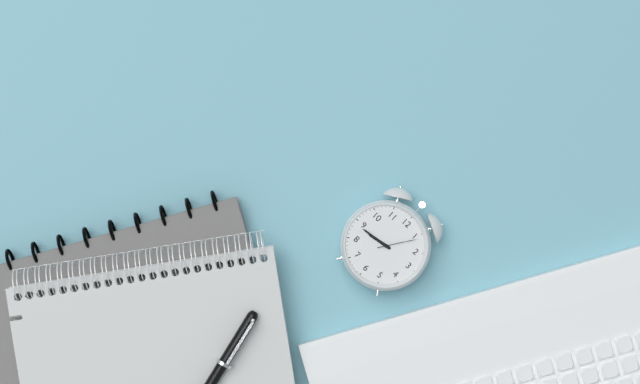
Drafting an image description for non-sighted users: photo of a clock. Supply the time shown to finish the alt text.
8:44
